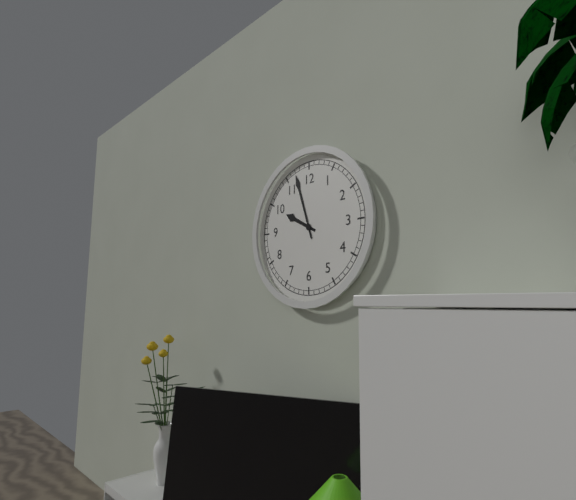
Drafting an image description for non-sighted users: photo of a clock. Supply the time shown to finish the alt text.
9:57
